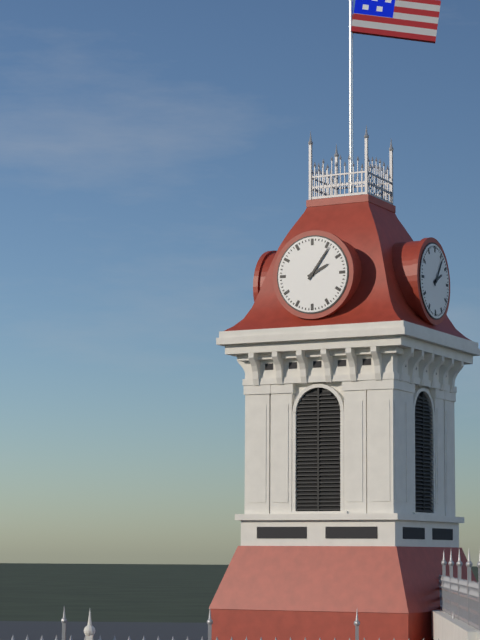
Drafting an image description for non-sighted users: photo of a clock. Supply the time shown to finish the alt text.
2:06
